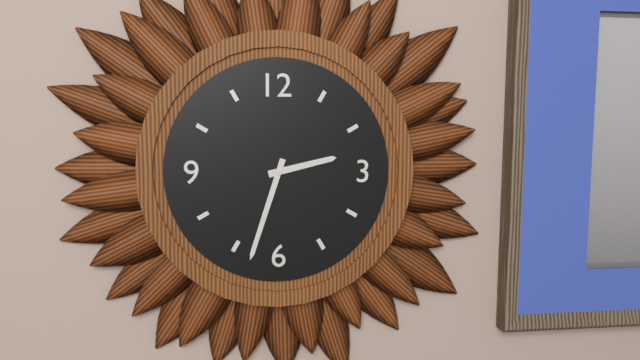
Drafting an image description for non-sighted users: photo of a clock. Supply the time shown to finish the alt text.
2:33
